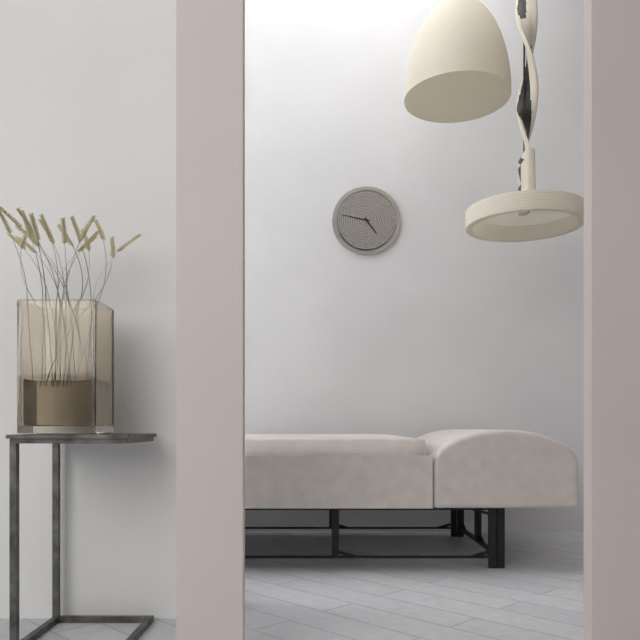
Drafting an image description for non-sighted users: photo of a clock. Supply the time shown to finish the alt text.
4:47
